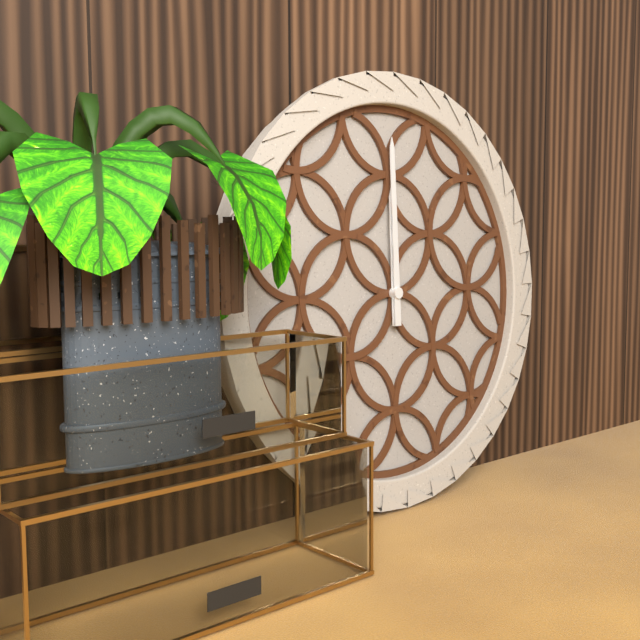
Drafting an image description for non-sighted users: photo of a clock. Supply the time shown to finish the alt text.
12:00
